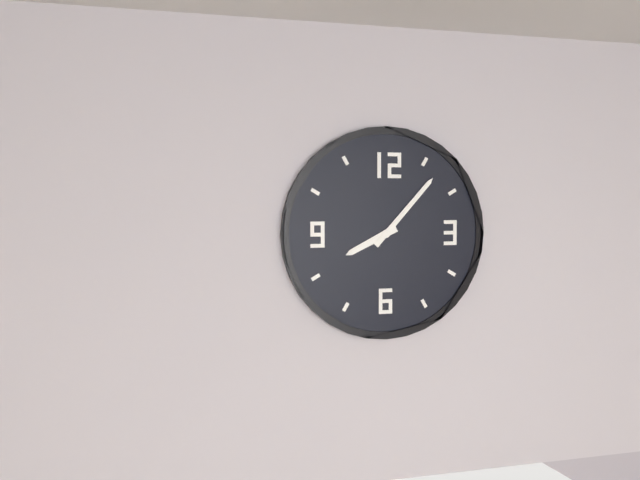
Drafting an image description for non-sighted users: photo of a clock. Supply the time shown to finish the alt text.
8:07
